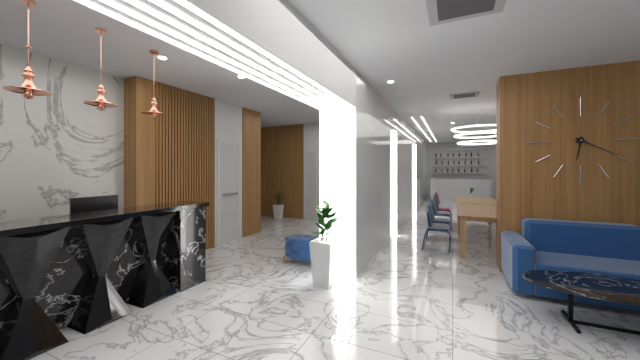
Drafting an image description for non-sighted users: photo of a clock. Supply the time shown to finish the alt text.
6:20
